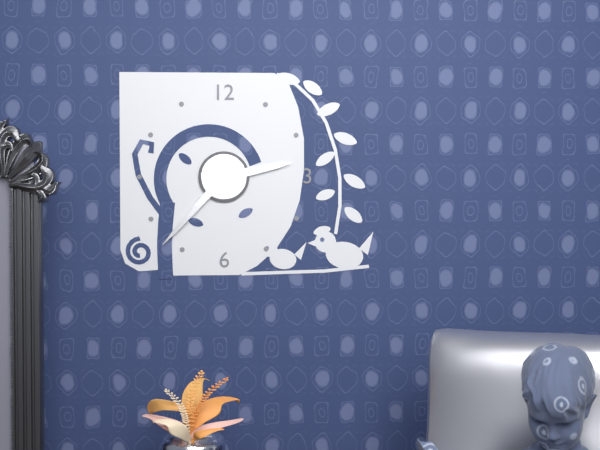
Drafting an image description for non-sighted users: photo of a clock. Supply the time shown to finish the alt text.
2:37
